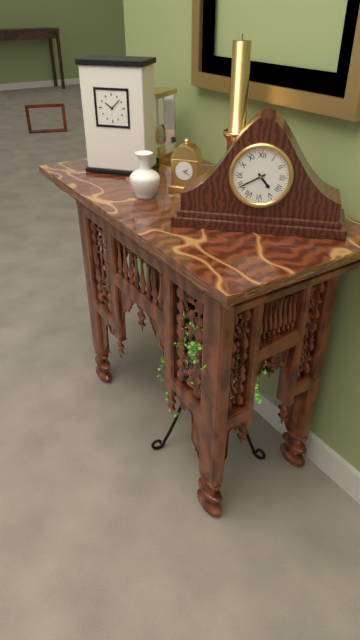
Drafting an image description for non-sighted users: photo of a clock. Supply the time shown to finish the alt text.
4:40
